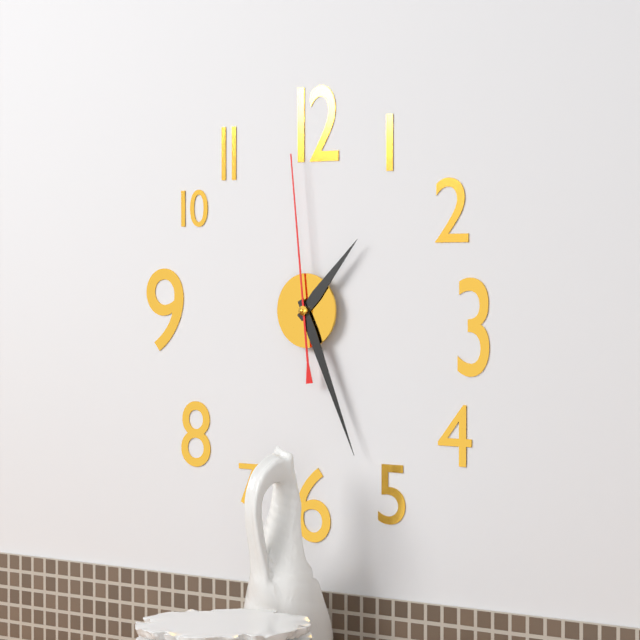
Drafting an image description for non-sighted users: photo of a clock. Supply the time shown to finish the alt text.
1:26:59
